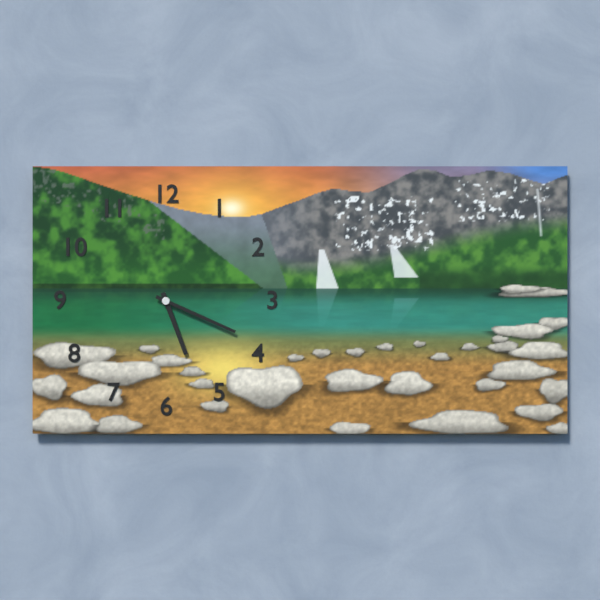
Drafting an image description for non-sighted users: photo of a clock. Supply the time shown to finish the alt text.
5:19
